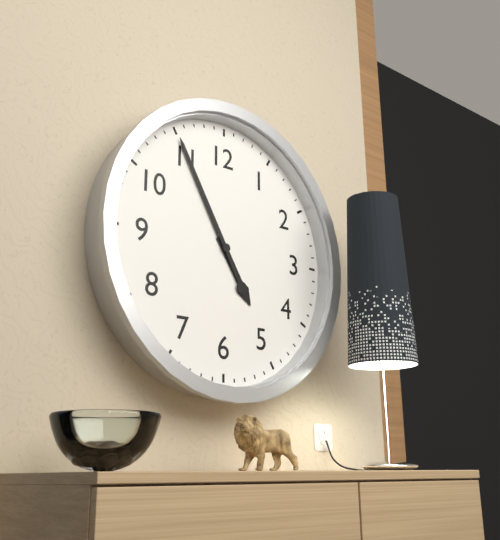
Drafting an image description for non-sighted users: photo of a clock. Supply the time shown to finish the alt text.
4:55
